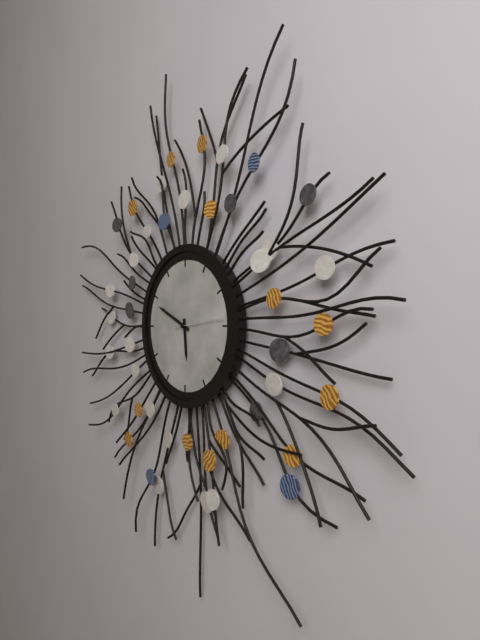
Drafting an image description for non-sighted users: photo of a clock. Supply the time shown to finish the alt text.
5:49:14
